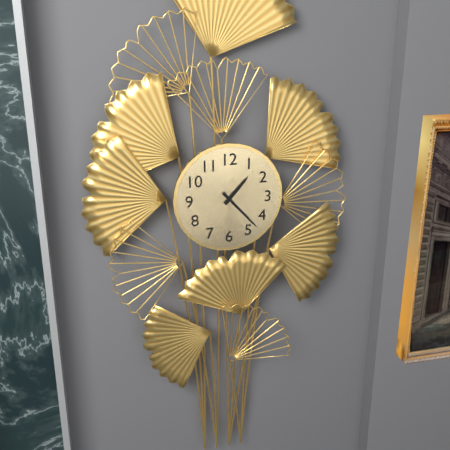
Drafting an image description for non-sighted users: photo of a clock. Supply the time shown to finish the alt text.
1:23
